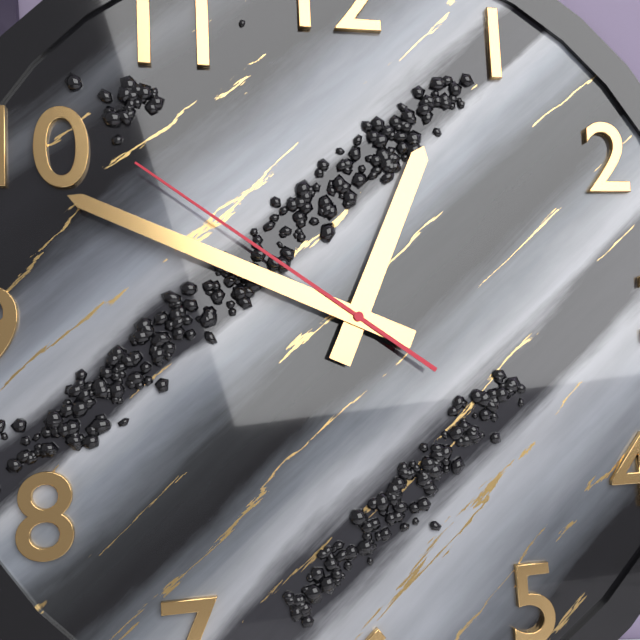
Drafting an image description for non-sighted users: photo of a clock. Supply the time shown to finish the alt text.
12:49:51
